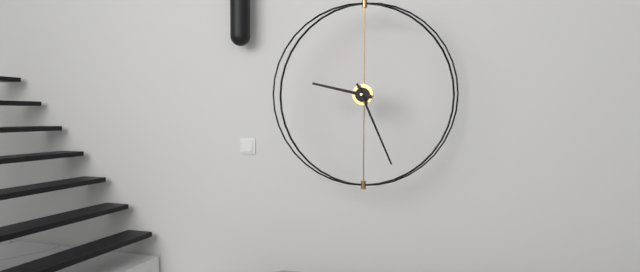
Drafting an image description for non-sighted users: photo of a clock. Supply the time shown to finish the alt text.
9:26
